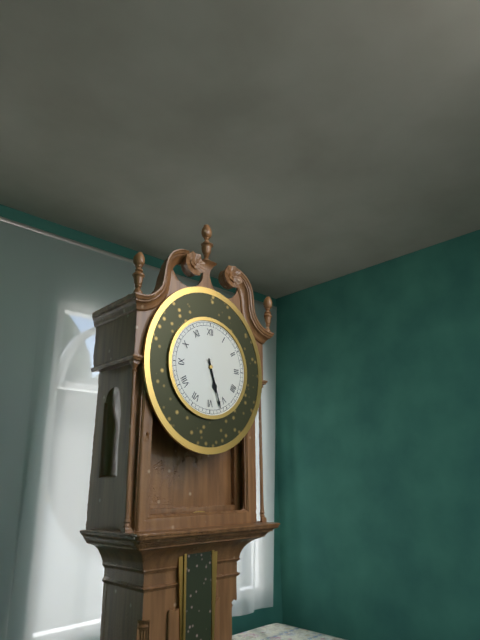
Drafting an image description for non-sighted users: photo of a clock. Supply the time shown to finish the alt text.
5:27
